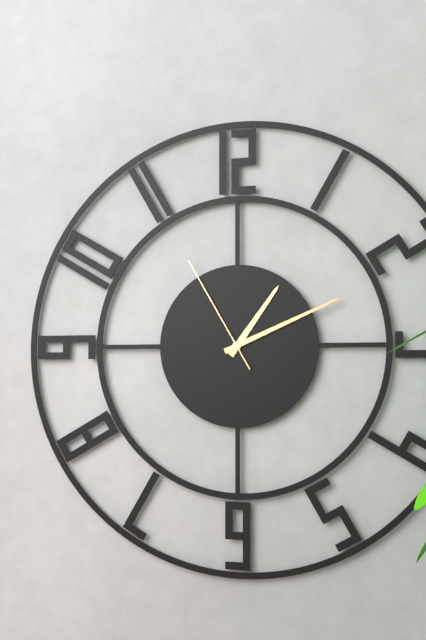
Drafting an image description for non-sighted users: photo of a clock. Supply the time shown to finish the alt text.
1:11:55
